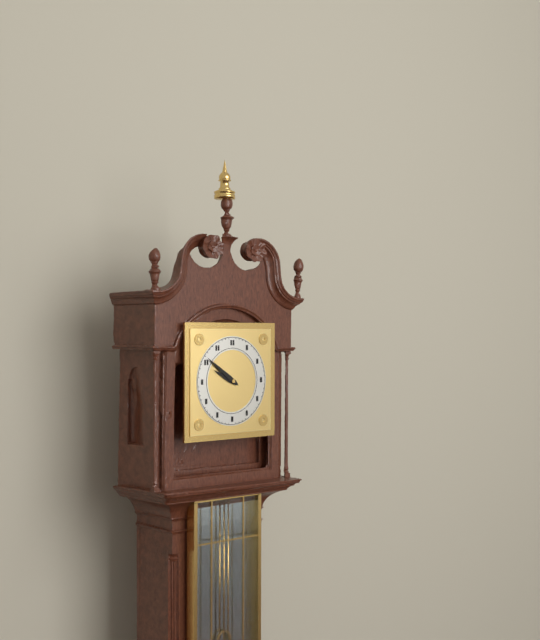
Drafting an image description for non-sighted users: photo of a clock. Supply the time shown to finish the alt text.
9:51
